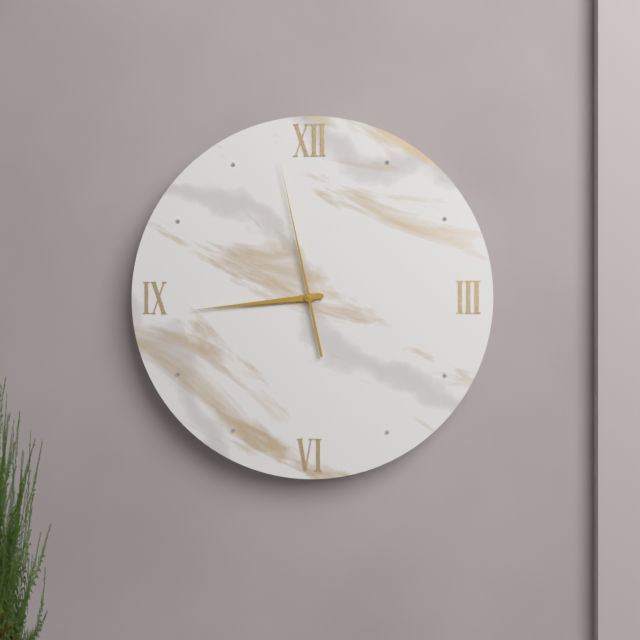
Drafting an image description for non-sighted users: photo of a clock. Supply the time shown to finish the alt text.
8:44:58
